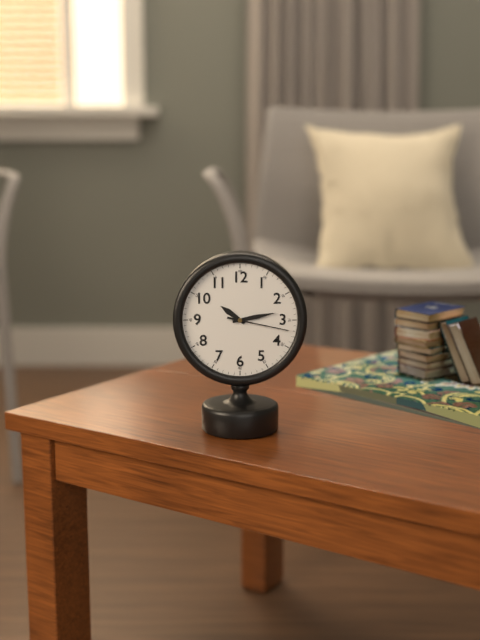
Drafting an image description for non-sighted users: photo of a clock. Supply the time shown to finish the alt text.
10:13:17
